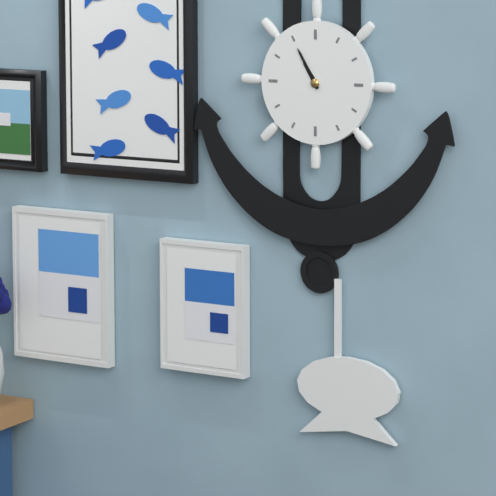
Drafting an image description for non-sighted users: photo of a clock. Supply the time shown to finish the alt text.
10:55
